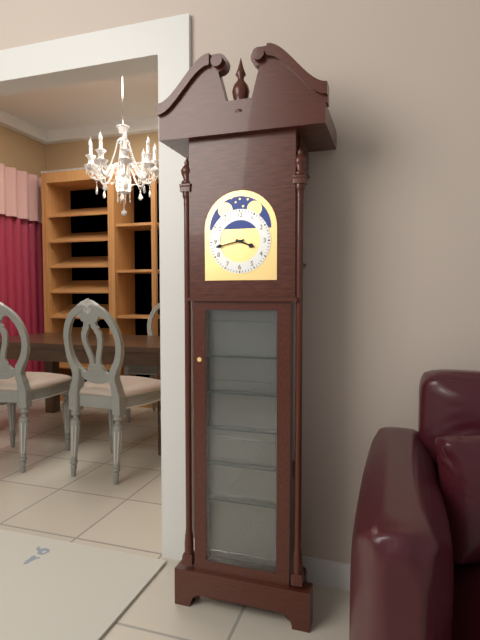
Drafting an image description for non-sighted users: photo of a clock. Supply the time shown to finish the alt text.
3:43
